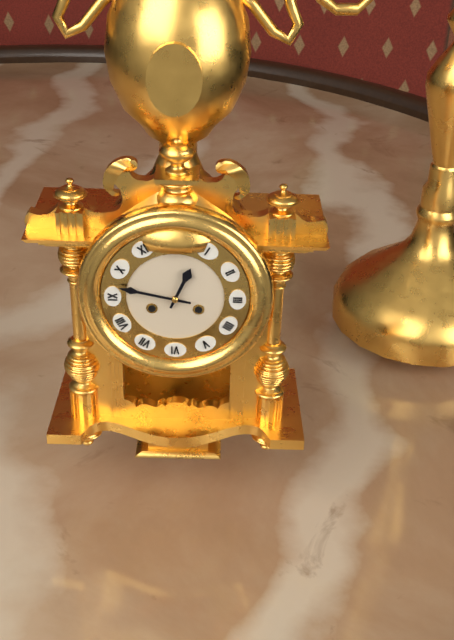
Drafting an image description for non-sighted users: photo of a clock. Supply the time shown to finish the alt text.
12:47
